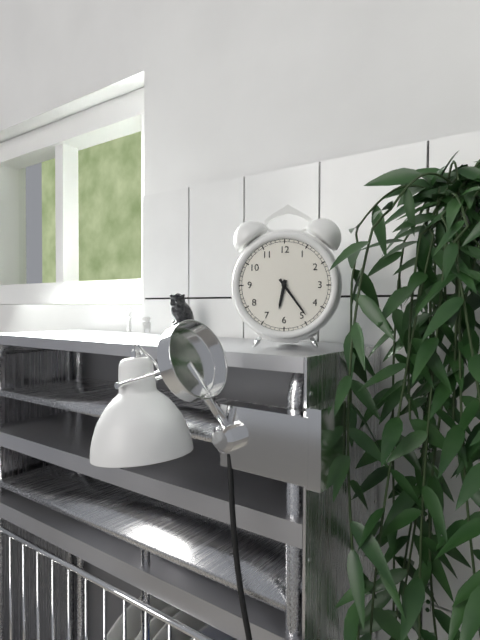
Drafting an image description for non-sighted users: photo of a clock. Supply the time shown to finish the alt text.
6:24
